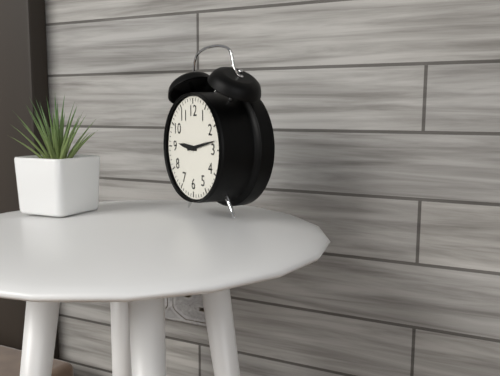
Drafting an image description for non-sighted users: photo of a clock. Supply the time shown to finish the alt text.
9:13
